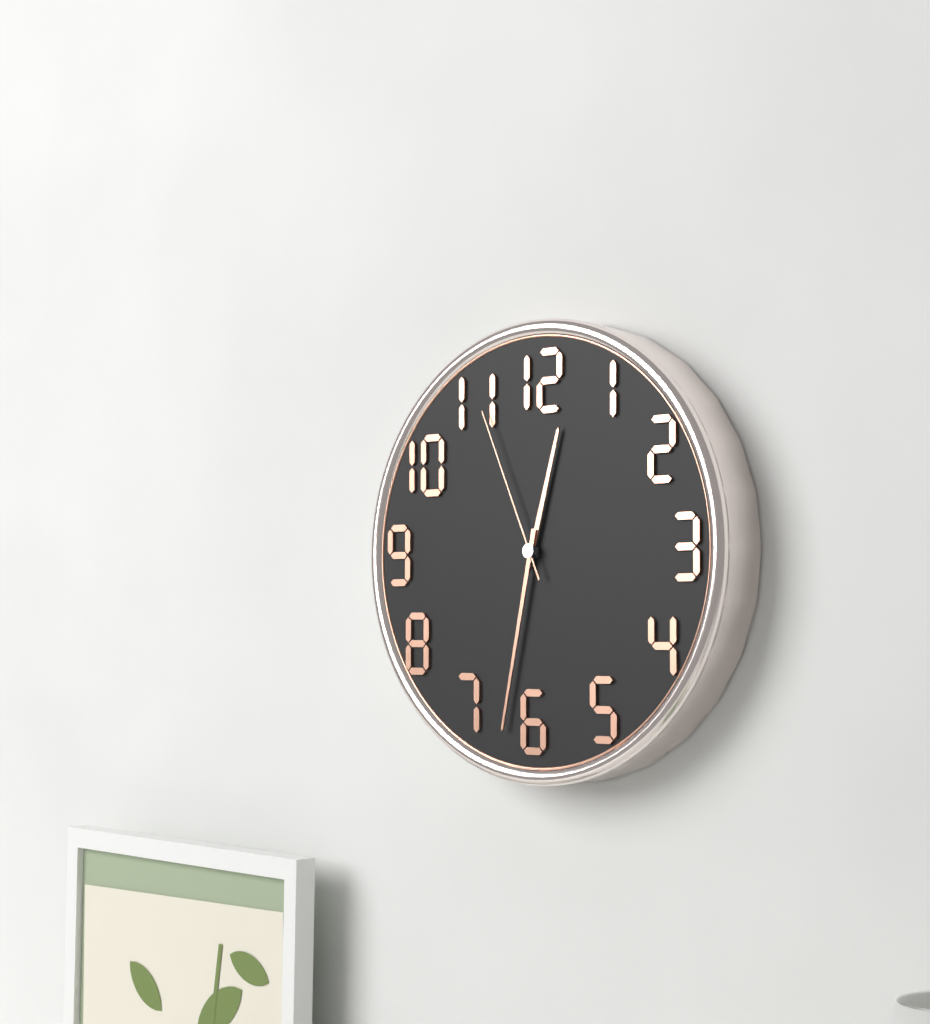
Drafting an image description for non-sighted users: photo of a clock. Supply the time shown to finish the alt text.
12:32:56
